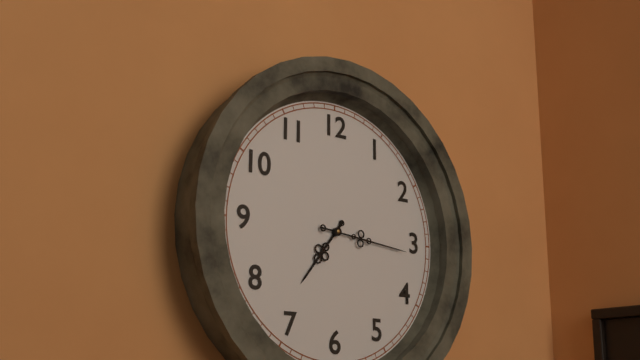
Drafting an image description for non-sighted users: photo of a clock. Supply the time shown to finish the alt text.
7:16
